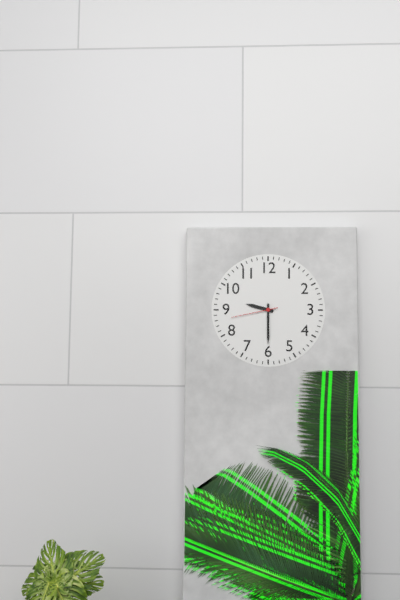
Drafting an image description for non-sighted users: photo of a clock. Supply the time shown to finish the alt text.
9:30
